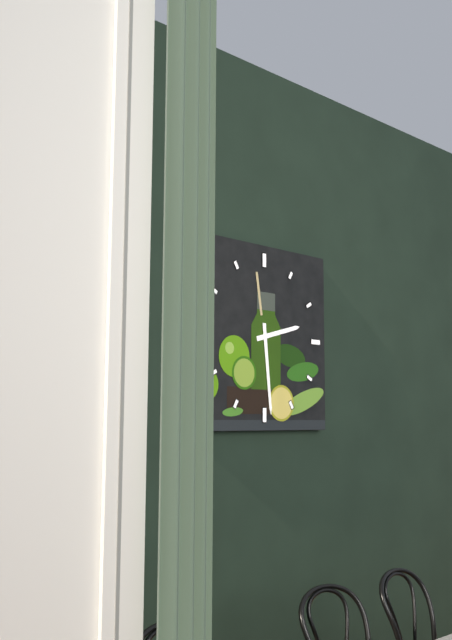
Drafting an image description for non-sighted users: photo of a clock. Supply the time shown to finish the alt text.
2:29
